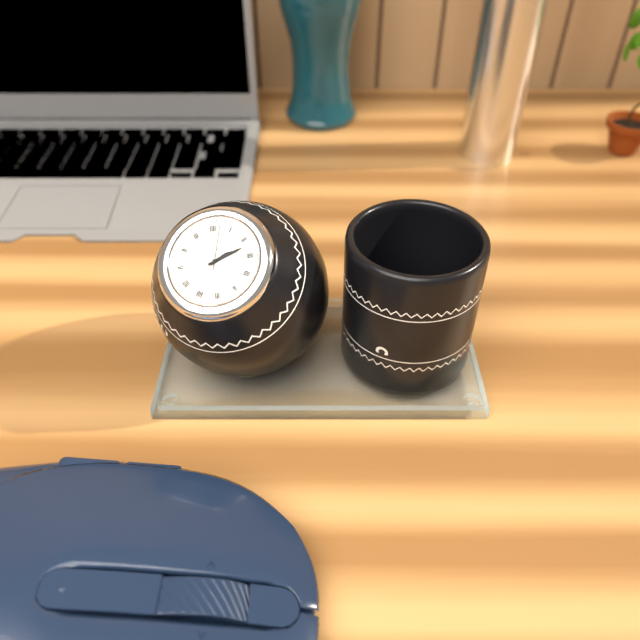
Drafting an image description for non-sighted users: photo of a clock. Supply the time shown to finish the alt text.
2:12
